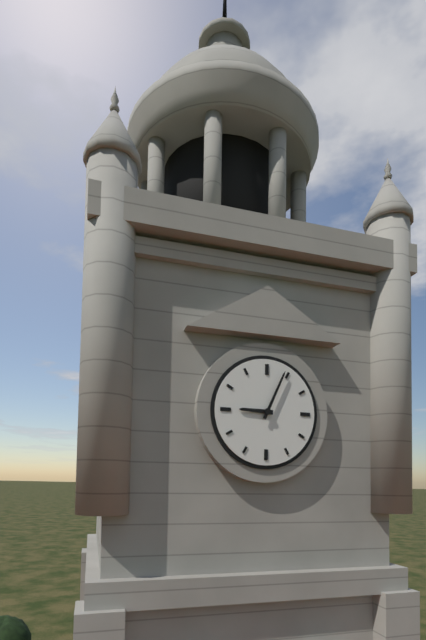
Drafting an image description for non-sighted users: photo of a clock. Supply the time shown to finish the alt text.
9:04
